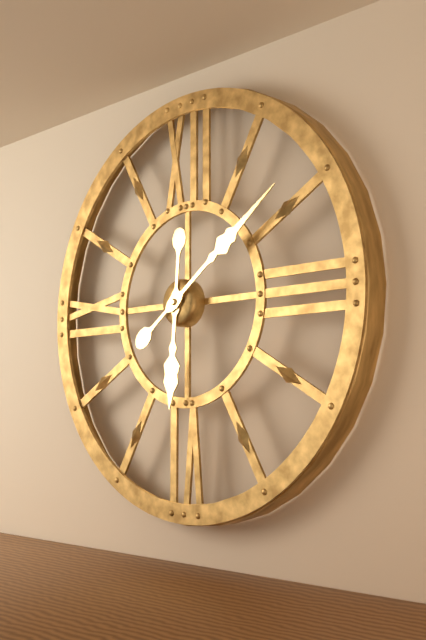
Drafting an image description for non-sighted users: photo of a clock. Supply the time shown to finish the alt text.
6:09
